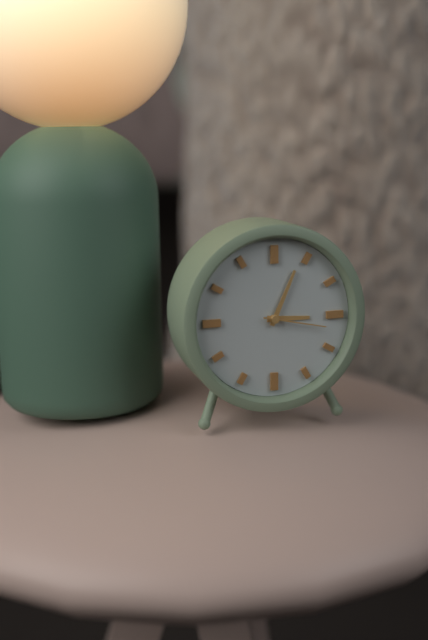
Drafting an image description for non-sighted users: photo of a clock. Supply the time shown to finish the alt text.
3:04:17
